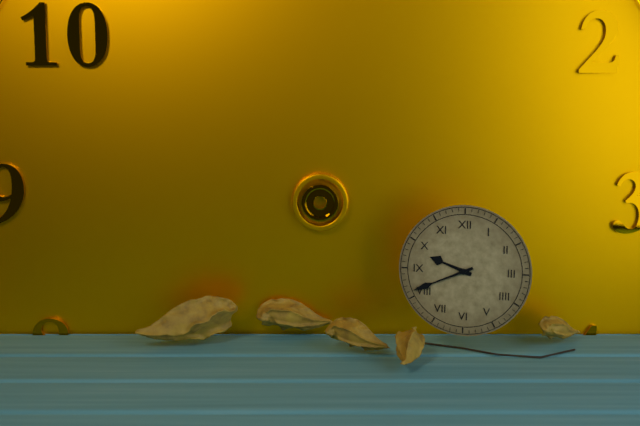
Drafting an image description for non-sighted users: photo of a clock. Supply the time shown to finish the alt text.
9:41
